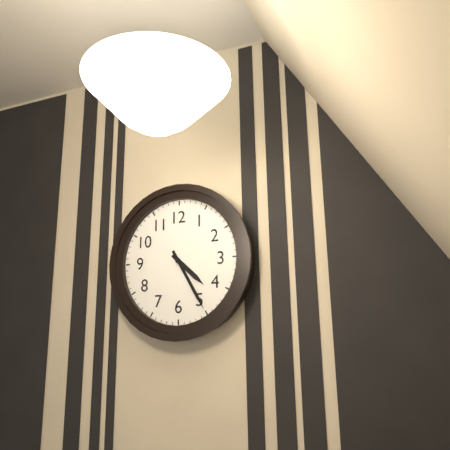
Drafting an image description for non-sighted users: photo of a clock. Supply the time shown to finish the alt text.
4:25
